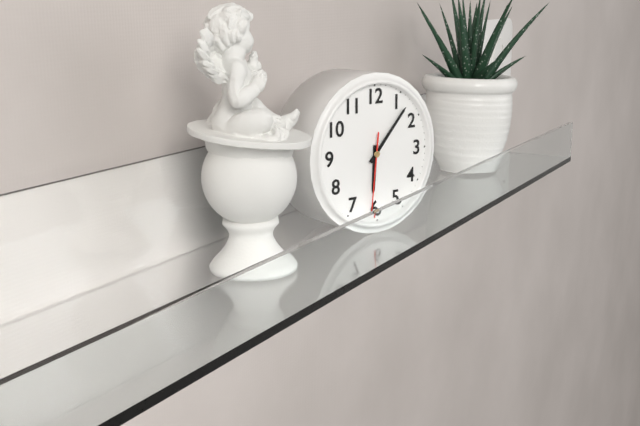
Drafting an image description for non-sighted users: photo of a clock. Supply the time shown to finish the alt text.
6:07:31
